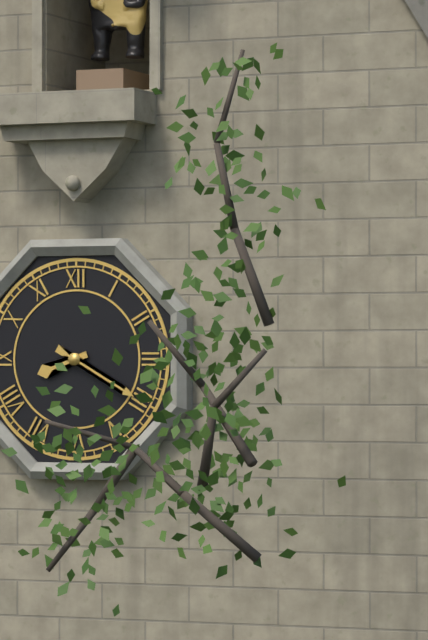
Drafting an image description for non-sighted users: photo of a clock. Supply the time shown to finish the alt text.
8:20
